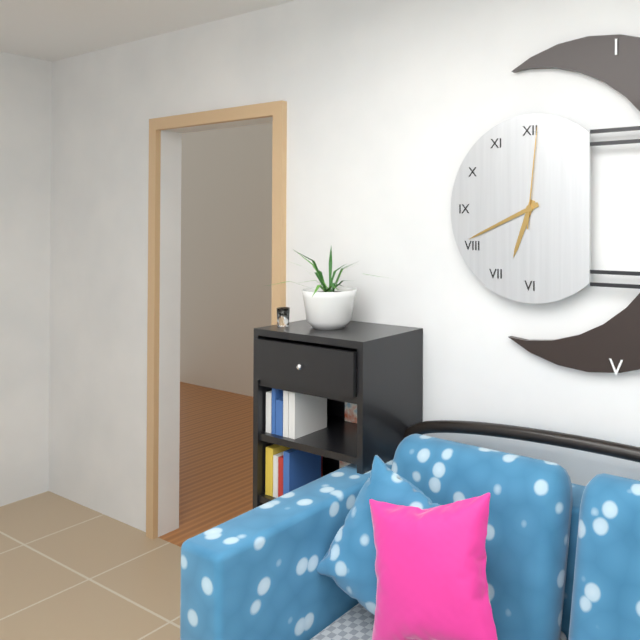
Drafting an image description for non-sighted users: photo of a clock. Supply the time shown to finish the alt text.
6:41:01
